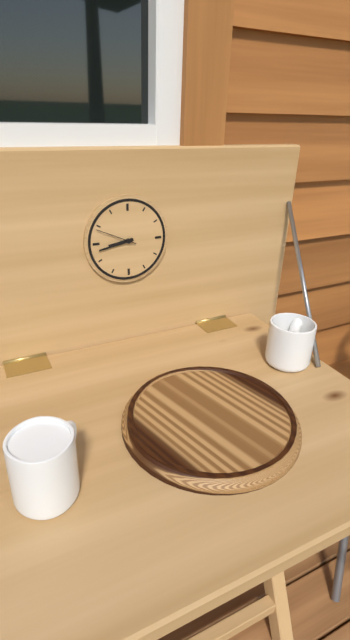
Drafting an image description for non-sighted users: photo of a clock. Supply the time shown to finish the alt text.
8:43
